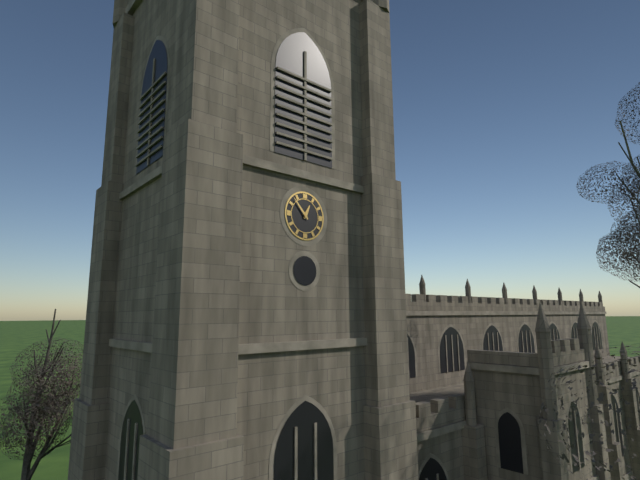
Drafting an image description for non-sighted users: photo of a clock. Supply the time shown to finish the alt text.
12:53
